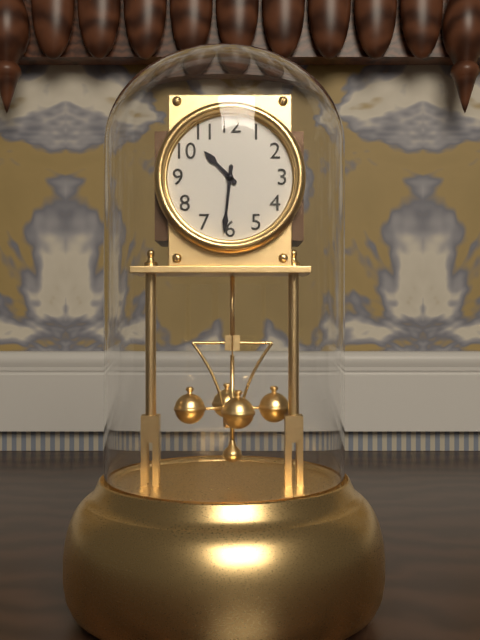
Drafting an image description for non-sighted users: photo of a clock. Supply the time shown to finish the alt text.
10:31
